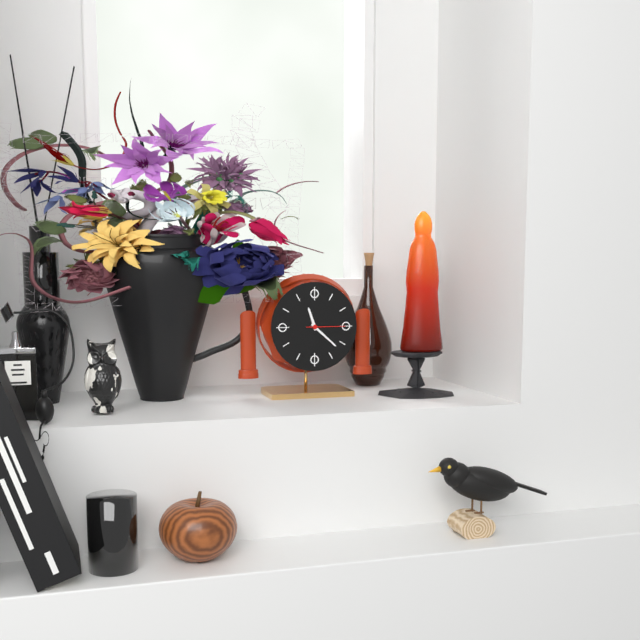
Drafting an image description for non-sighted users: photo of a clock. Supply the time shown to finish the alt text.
11:22
